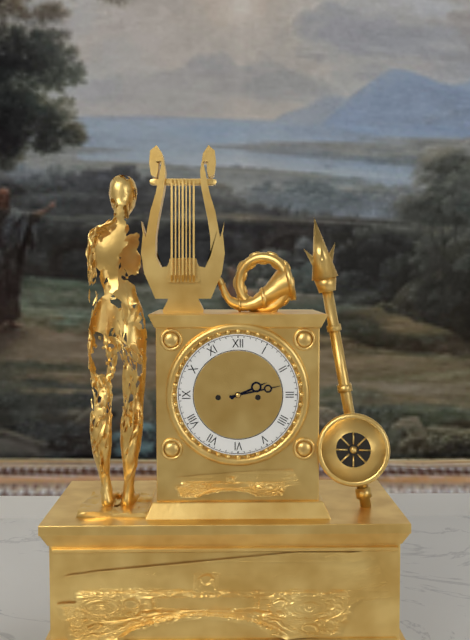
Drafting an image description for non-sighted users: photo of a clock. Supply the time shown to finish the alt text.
2:13
